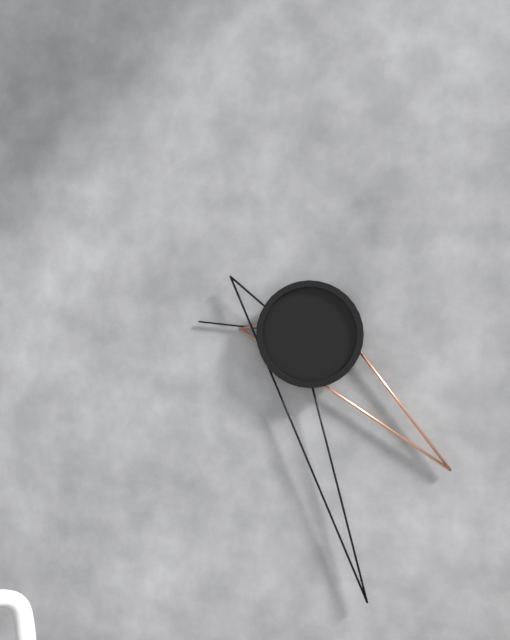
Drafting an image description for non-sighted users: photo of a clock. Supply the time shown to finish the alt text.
4:28:46
